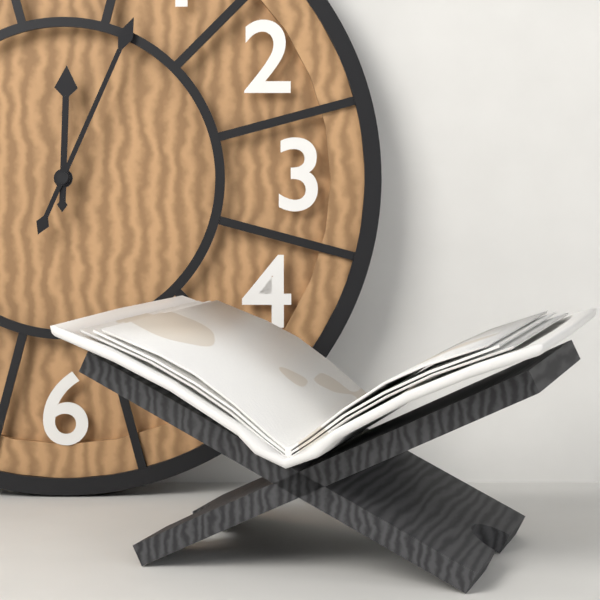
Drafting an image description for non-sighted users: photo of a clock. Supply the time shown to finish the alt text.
12:04
